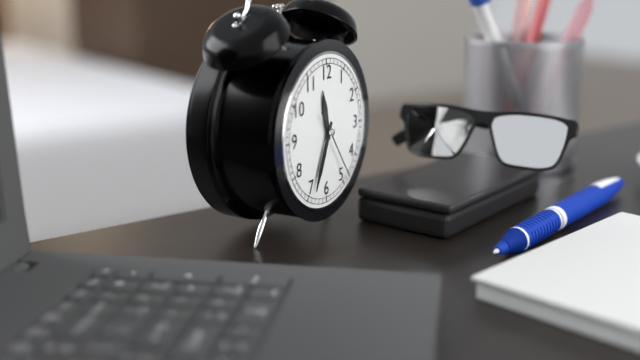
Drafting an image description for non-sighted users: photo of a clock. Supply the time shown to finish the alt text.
11:34:24
